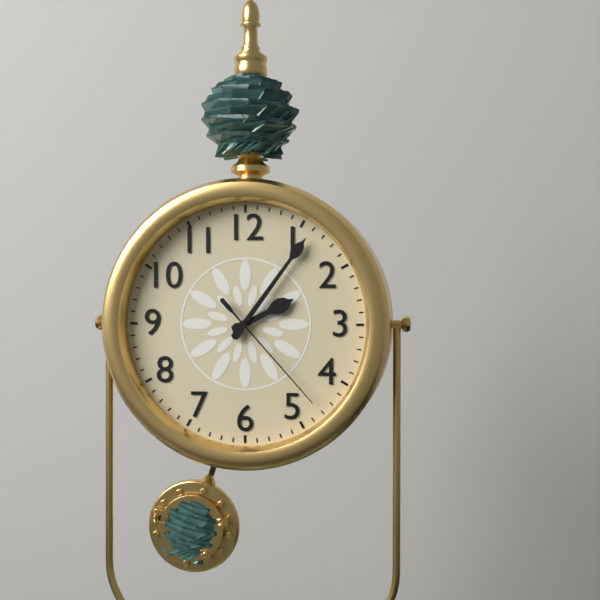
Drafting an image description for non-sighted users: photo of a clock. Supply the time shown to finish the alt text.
2:06:23
